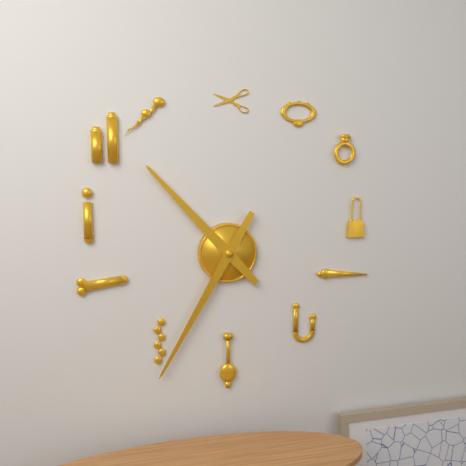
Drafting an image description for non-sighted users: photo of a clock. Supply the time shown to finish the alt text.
10:35
